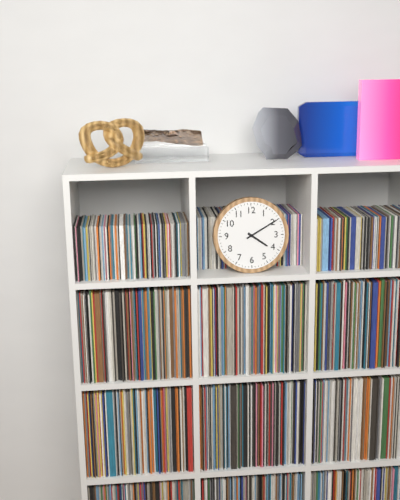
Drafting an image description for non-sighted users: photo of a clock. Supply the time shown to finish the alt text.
4:10
